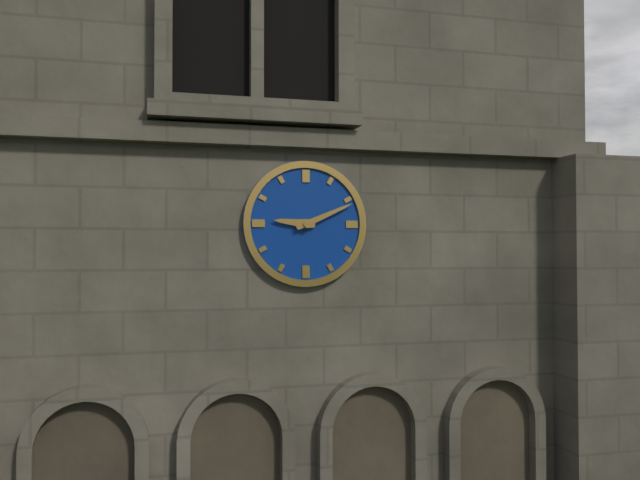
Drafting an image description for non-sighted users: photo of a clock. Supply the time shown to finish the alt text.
9:11
